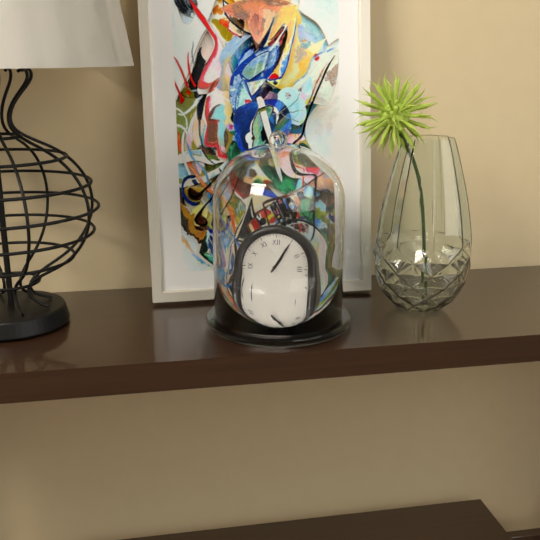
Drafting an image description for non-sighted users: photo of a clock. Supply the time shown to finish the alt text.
1:05
